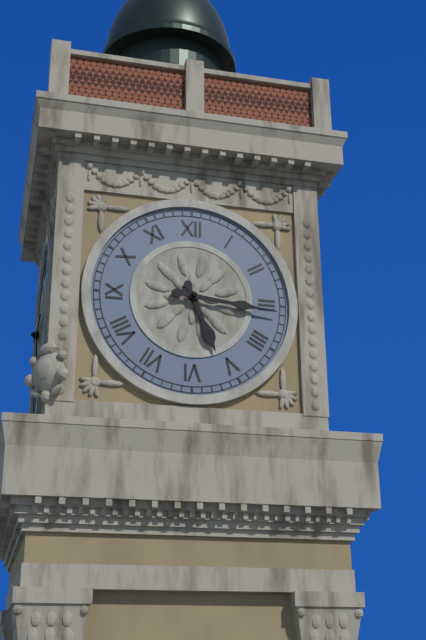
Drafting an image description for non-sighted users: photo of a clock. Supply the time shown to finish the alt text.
5:16
